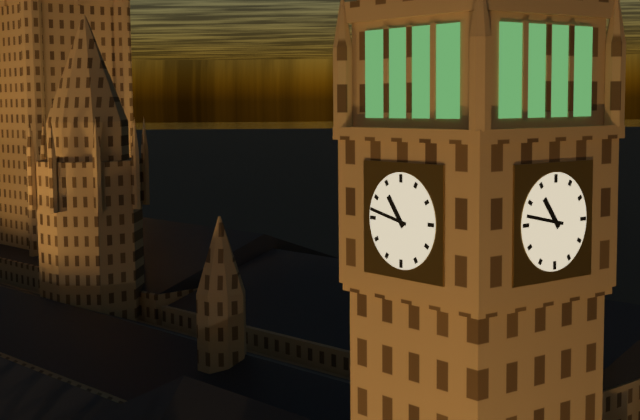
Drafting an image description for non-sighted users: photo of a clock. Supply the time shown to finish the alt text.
10:47
